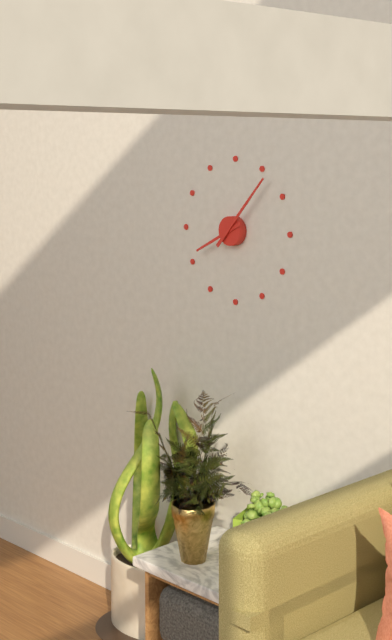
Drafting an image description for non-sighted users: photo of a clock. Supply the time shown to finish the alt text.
8:07
